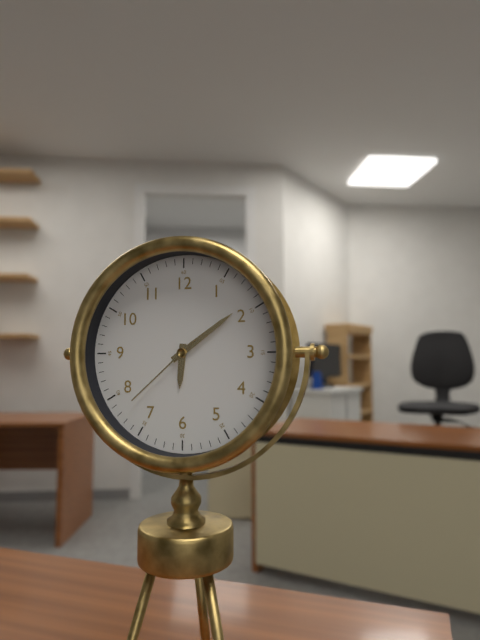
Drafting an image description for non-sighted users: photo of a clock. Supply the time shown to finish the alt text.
6:09:38
